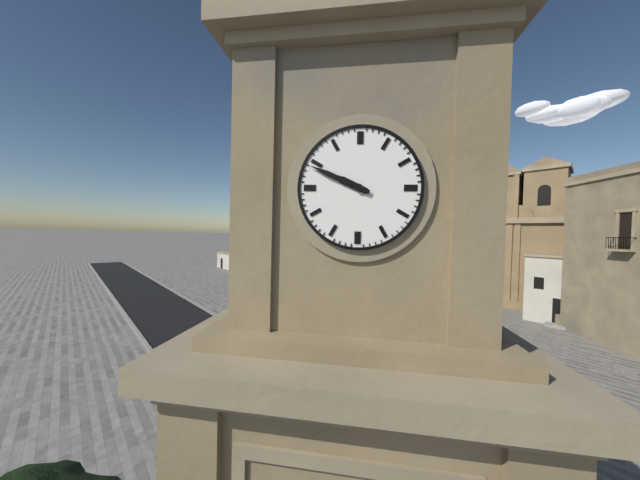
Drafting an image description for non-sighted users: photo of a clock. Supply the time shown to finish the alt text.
9:49
